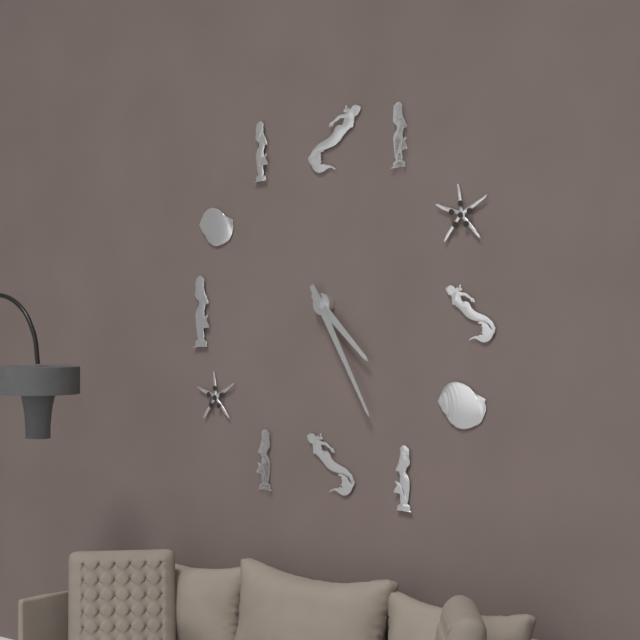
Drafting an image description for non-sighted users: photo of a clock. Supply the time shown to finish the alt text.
4:25
